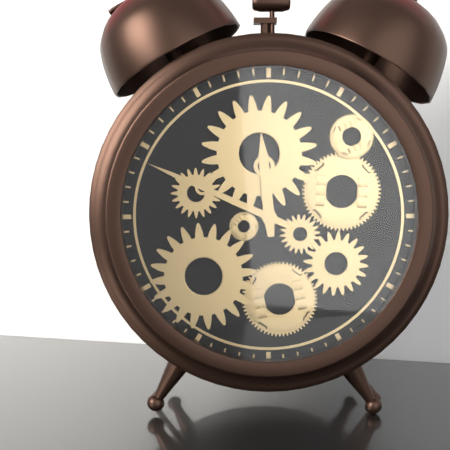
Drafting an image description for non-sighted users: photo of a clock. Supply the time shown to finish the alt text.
11:49
